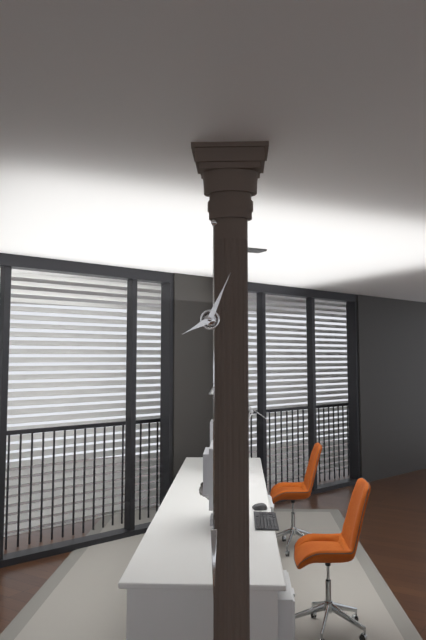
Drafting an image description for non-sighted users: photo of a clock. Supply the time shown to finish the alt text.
8:04
